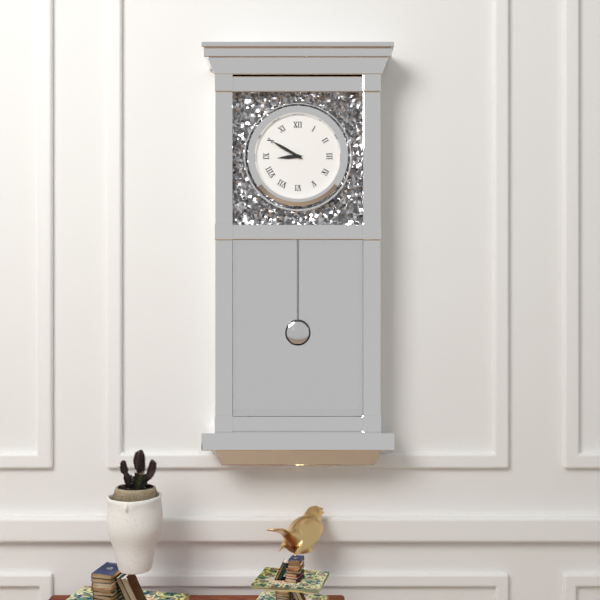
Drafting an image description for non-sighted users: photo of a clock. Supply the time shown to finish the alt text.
8:50
